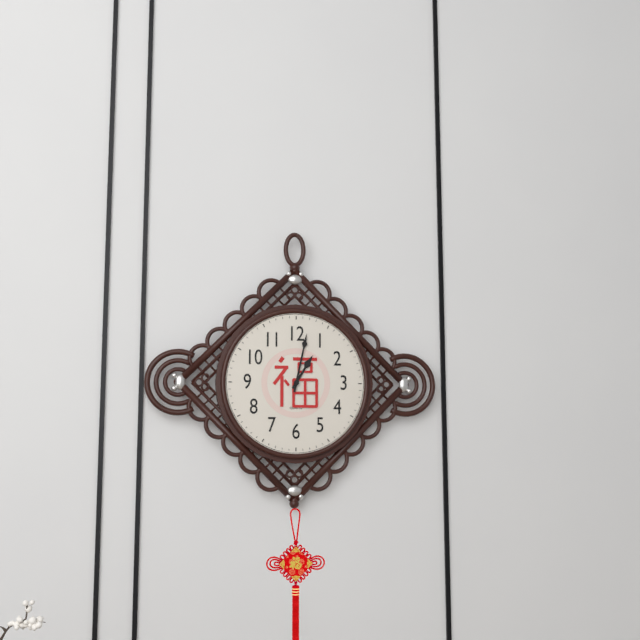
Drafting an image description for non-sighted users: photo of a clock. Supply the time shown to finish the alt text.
1:02
